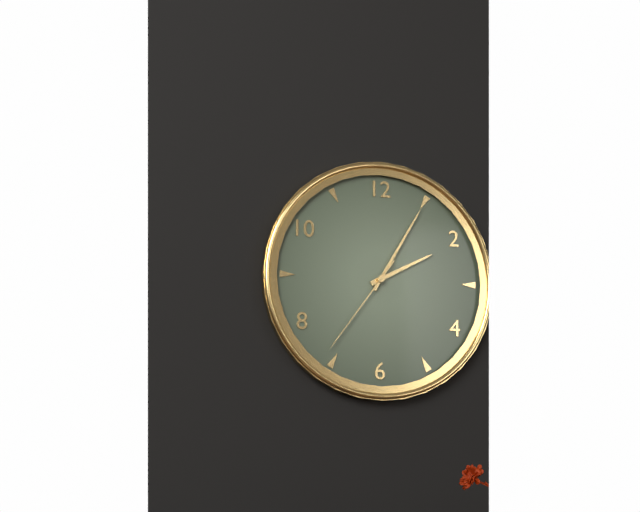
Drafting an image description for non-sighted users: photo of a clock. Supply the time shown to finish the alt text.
2:05:36
